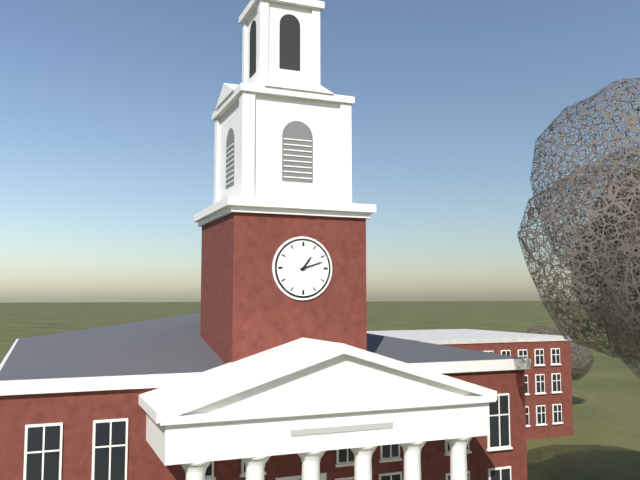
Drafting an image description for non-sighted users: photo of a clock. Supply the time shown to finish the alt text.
1:12
